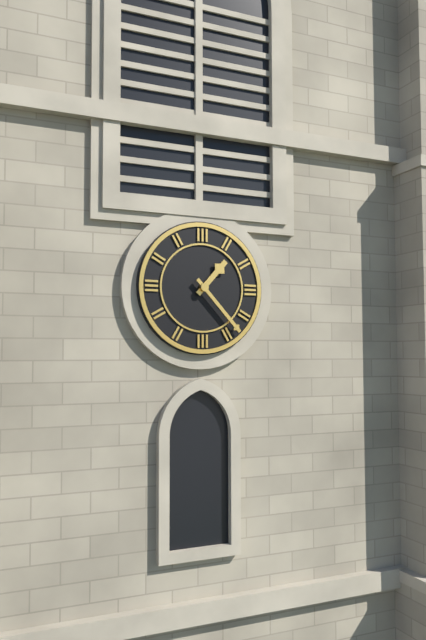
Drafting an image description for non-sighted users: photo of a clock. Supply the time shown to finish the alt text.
1:23
